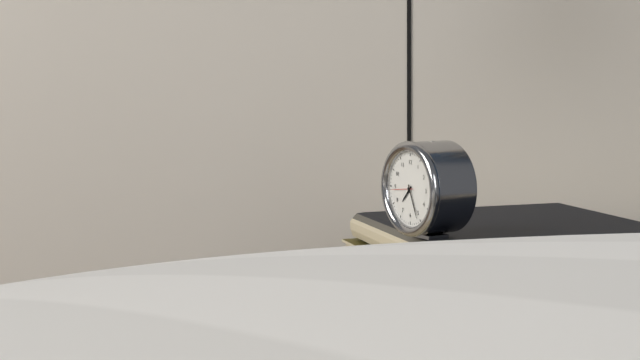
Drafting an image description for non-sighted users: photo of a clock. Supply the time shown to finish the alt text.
7:26
